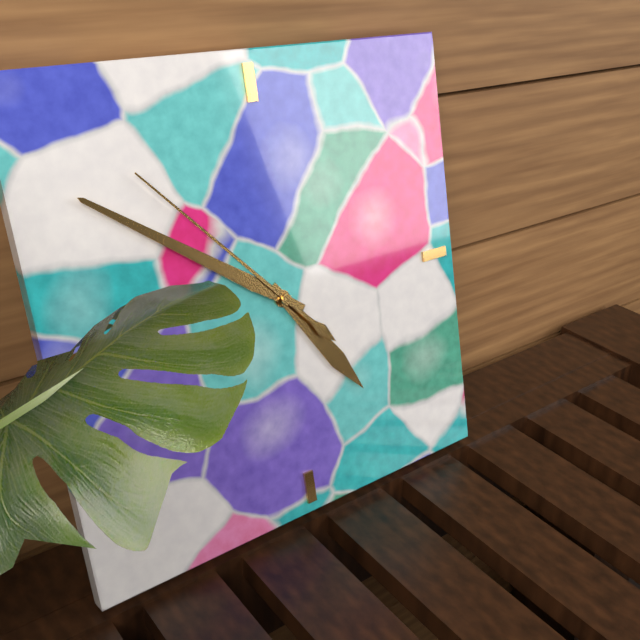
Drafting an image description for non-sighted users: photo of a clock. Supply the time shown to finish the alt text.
4:51:53
